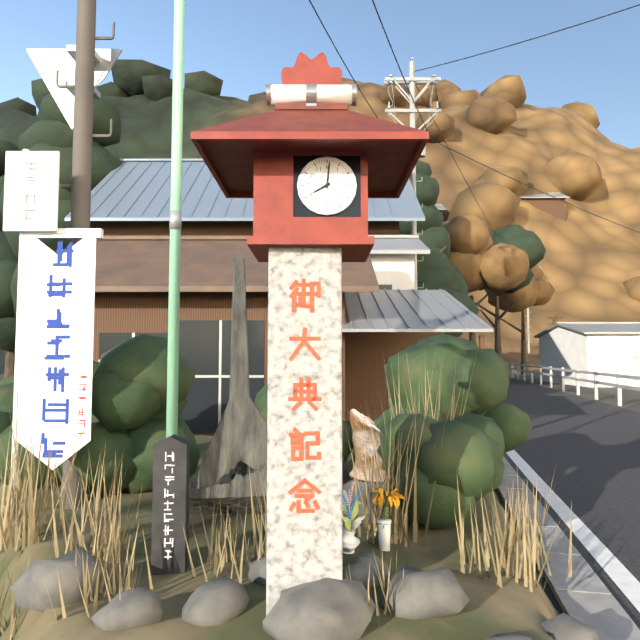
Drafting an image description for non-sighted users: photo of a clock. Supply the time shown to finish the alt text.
8:01
